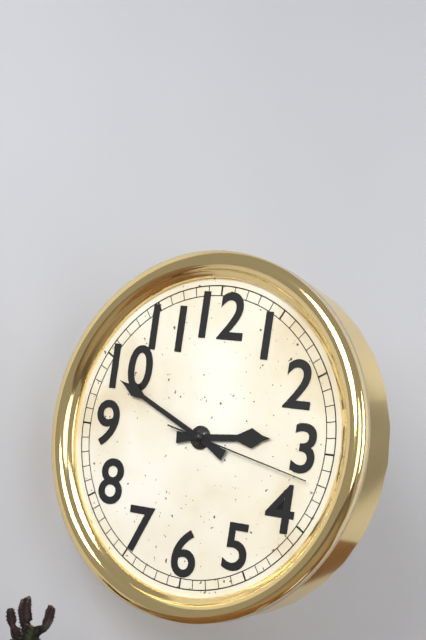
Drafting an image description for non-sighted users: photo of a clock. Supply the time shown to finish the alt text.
2:49:17
